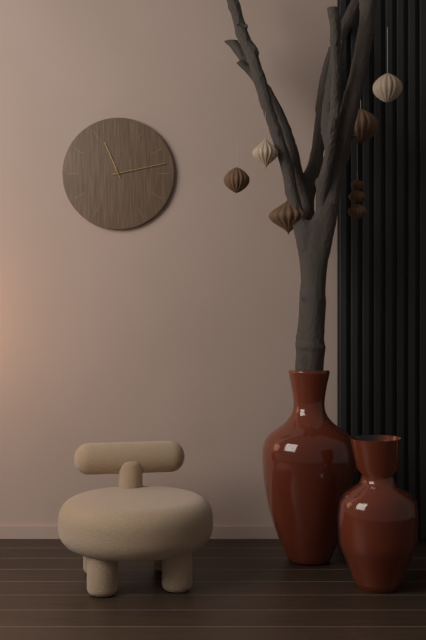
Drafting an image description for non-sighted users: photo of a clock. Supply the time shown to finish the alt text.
11:13
